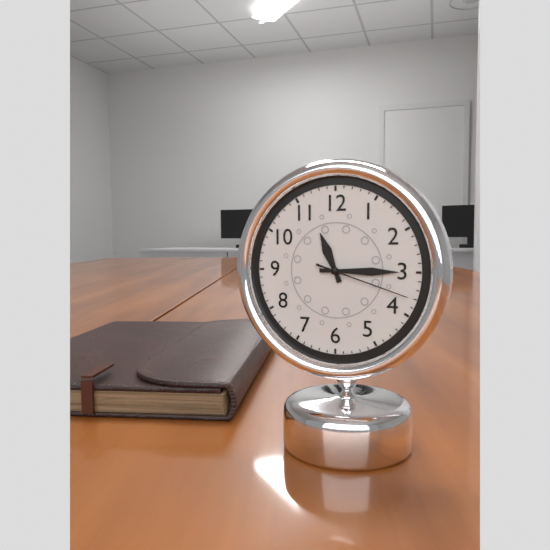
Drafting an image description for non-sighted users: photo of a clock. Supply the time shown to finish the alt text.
11:15:18
